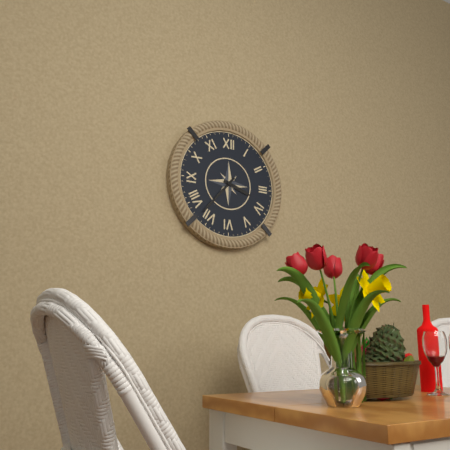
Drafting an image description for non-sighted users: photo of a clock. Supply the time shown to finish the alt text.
3:37
